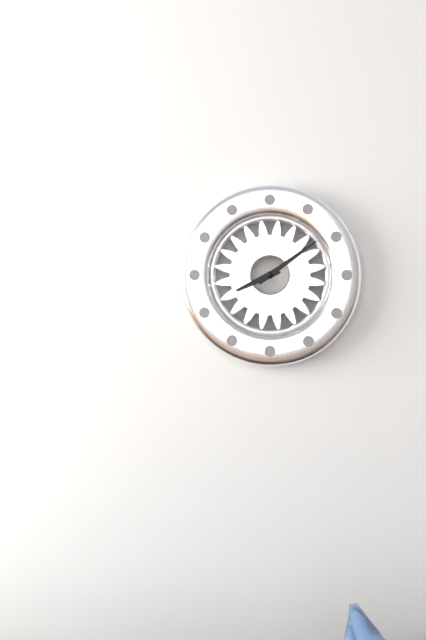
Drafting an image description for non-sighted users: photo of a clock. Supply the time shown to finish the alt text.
8:09
